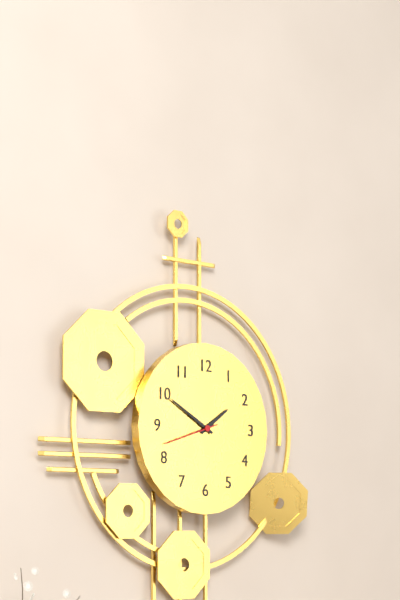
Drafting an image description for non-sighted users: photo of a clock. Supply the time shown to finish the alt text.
1:50:42
